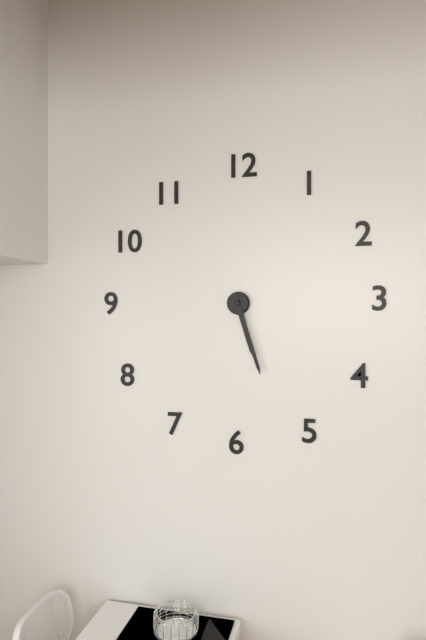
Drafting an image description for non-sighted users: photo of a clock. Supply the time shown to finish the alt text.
5:27
